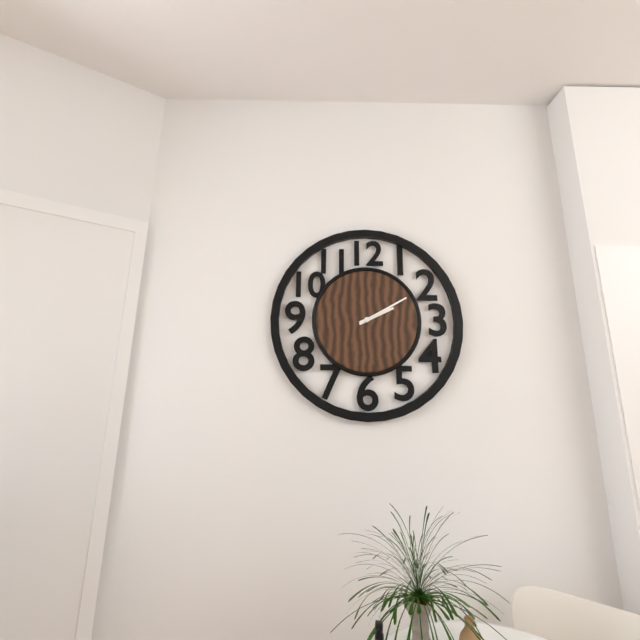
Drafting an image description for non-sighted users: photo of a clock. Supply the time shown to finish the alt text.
2:10
